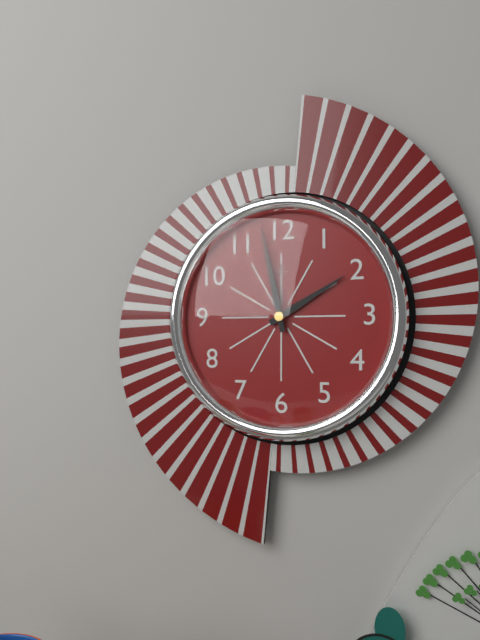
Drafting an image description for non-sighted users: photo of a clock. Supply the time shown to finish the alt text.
1:58
